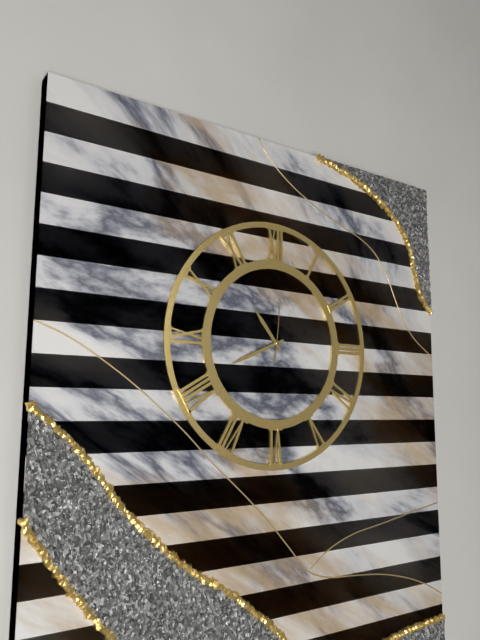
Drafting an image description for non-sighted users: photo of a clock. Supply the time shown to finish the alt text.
10:41:01
